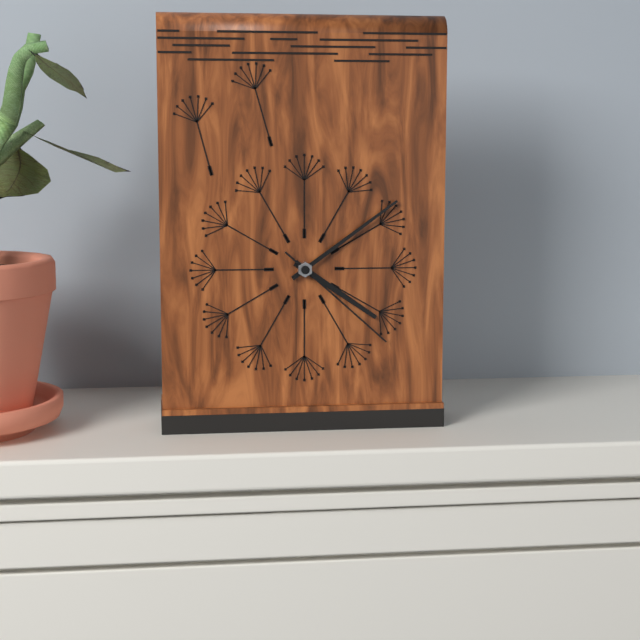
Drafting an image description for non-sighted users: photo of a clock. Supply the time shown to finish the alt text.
4:09:22
